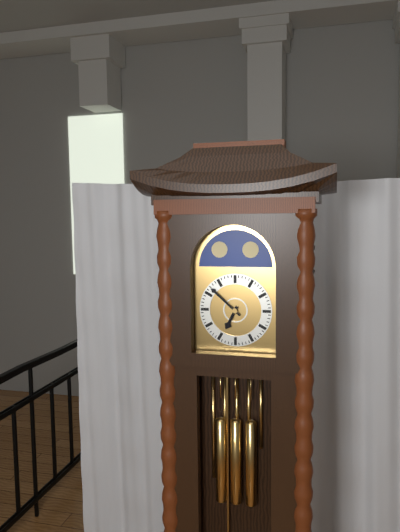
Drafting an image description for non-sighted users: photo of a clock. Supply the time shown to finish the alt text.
6:52
